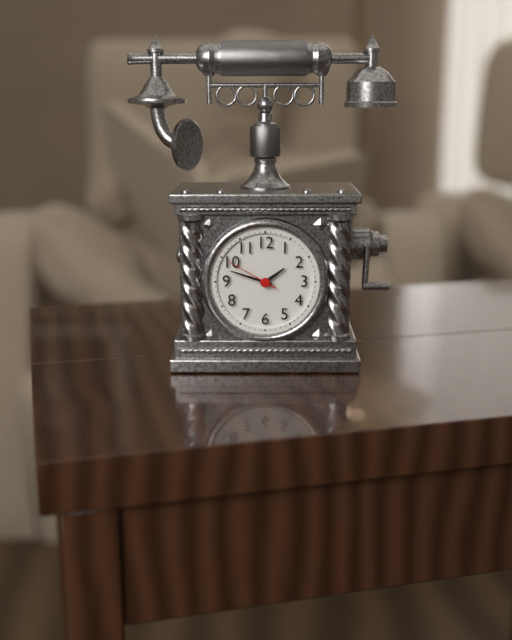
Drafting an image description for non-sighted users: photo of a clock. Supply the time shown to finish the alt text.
1:48:50
